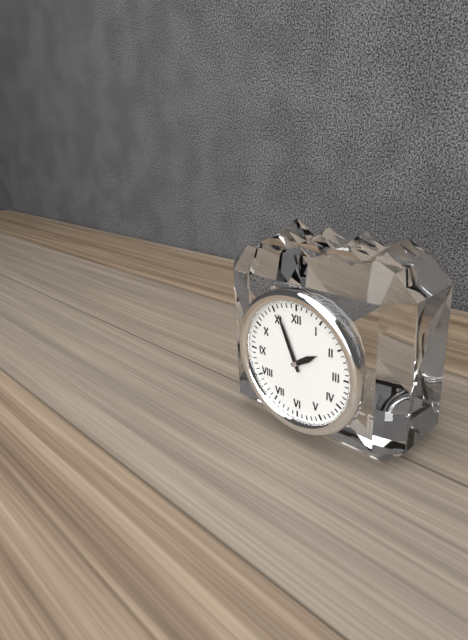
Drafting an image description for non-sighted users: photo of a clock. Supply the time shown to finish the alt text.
1:56
